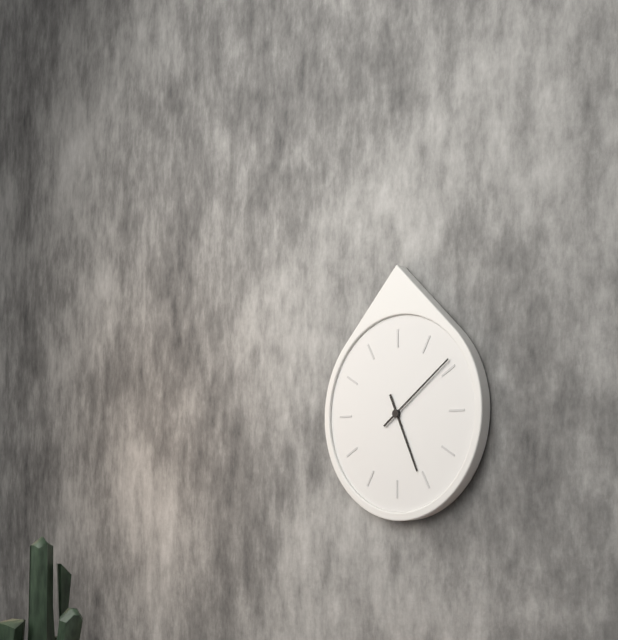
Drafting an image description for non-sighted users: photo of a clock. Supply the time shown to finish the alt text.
5:09
